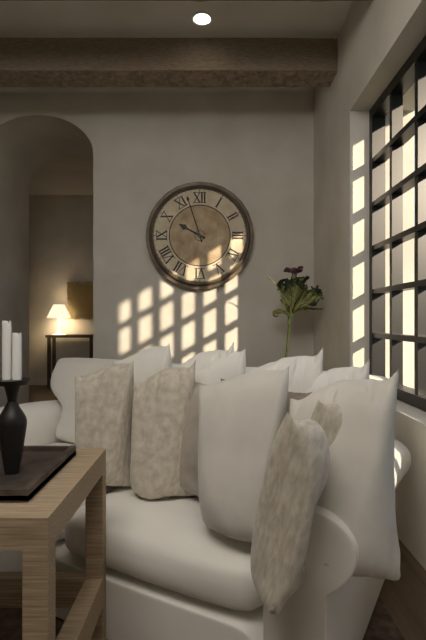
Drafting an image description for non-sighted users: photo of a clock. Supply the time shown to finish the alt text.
9:57
